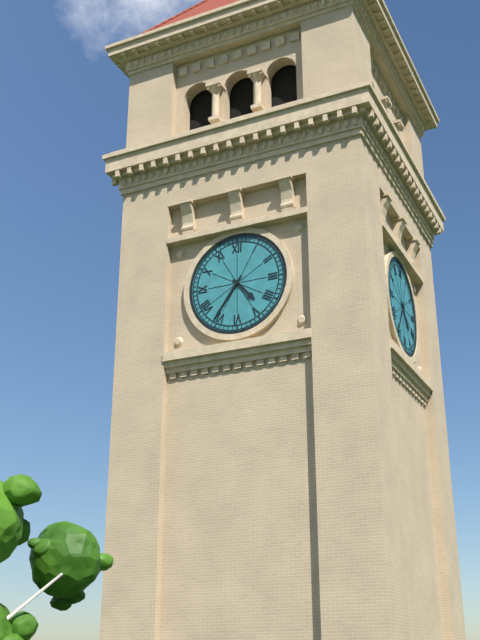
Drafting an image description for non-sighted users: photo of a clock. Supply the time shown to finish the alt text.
4:36
